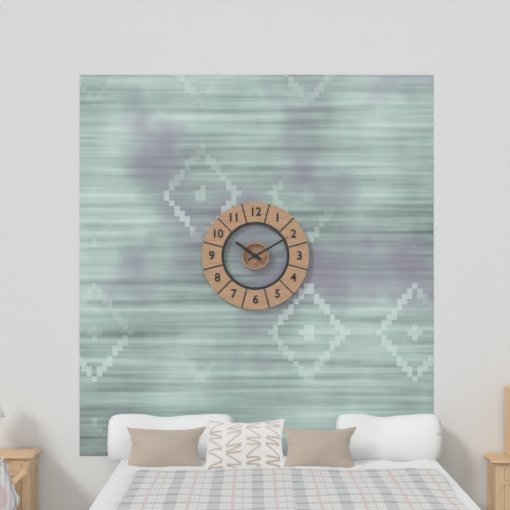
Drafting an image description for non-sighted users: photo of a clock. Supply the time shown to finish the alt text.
10:10
